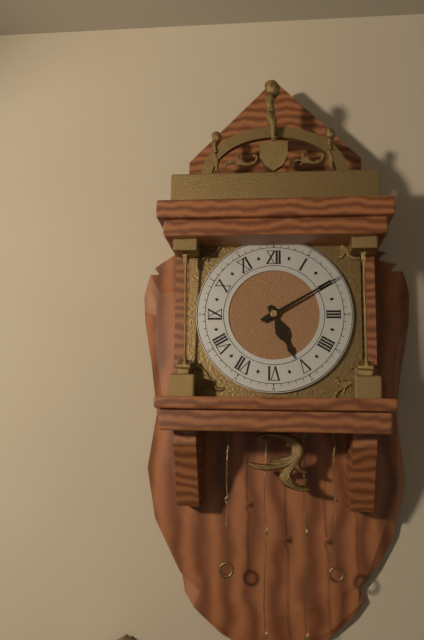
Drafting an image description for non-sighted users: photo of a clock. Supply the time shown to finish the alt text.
5:10
